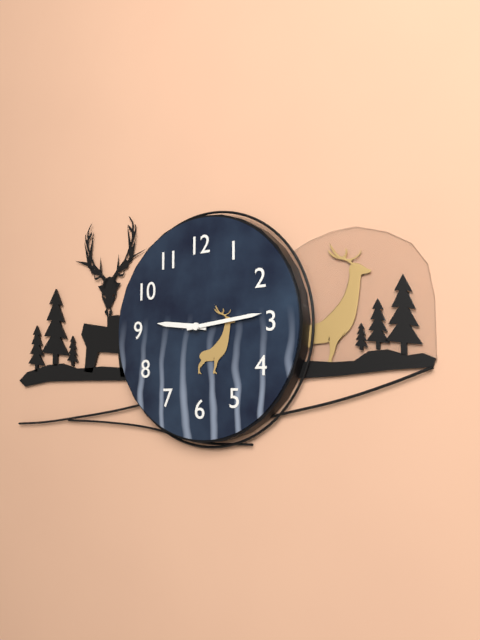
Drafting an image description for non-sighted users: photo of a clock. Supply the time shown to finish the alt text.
9:14
